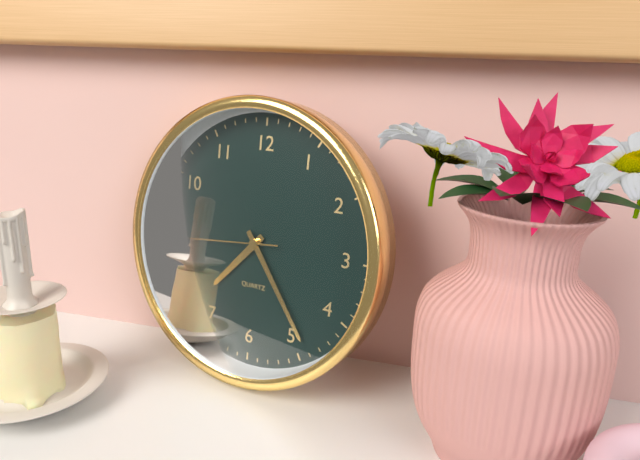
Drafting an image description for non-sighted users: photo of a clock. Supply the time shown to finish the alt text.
7:24:44
